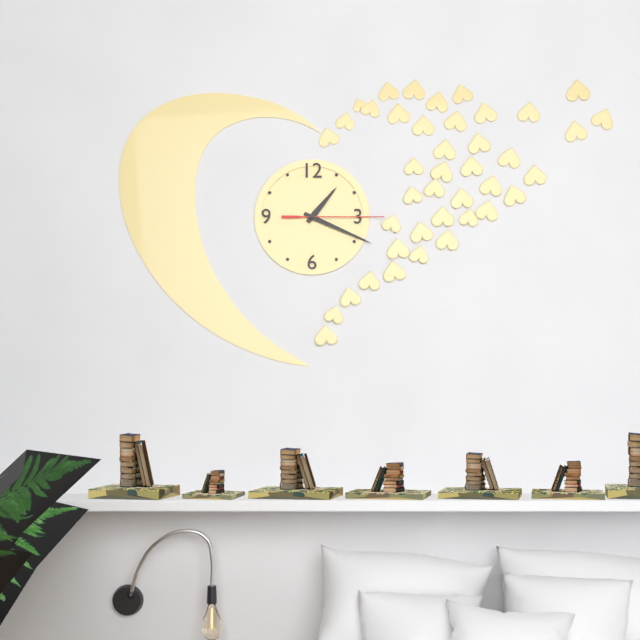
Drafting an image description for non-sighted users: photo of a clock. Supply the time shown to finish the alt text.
1:19:15
